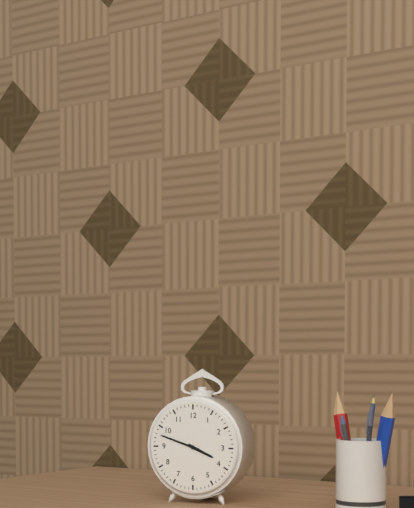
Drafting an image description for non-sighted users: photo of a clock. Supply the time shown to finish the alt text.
3:48
